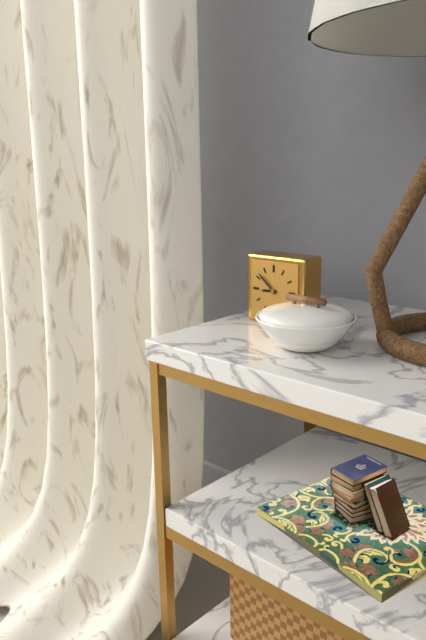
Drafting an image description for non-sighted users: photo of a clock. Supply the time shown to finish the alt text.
8:52
